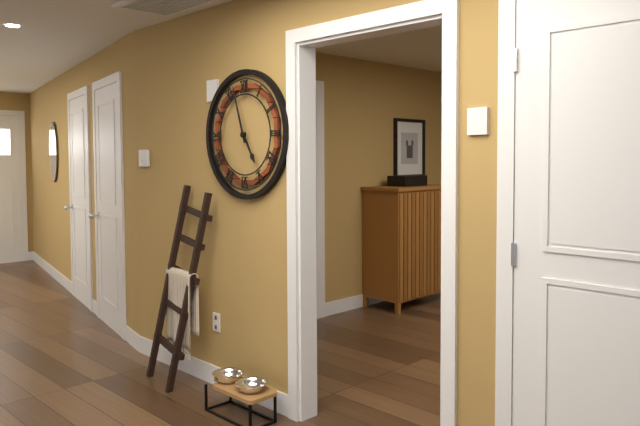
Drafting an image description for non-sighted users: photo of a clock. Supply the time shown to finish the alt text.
4:57
